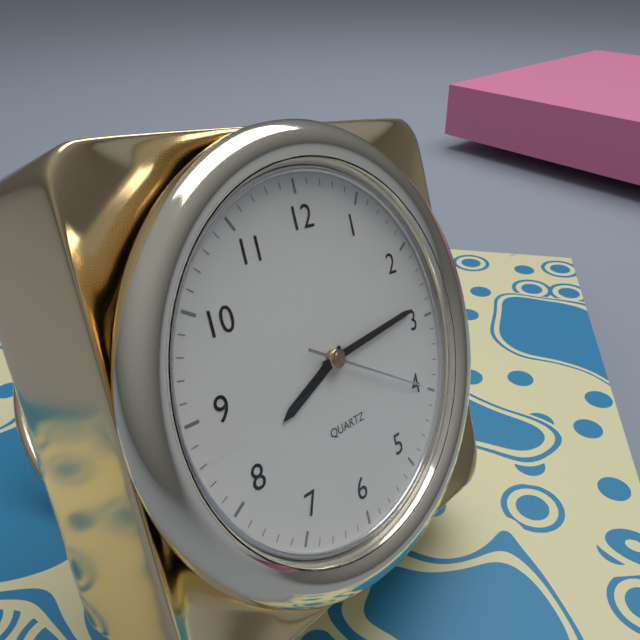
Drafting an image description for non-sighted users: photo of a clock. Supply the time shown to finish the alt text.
8:14:20
